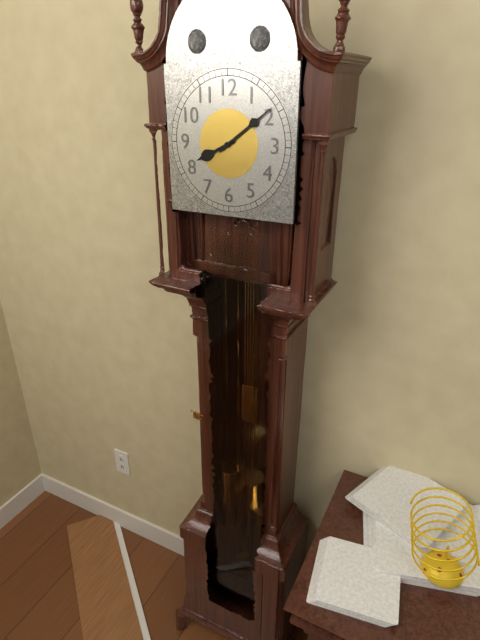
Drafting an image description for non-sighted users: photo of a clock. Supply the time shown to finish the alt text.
8:09
